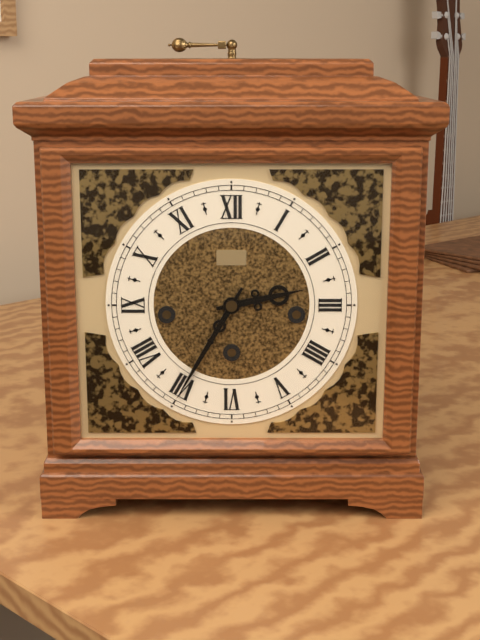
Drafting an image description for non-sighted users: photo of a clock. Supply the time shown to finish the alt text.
2:35
